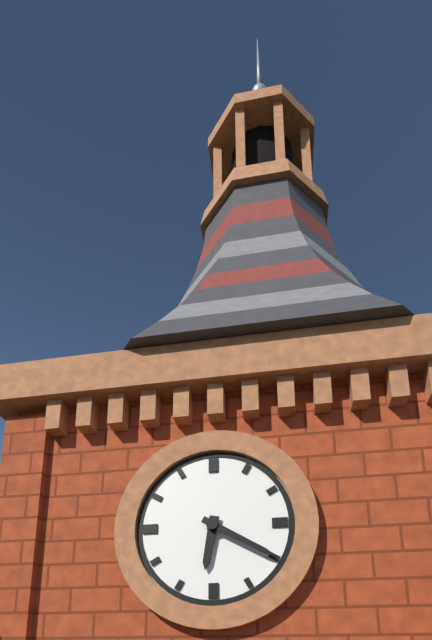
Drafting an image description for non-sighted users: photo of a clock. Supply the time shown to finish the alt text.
6:20
